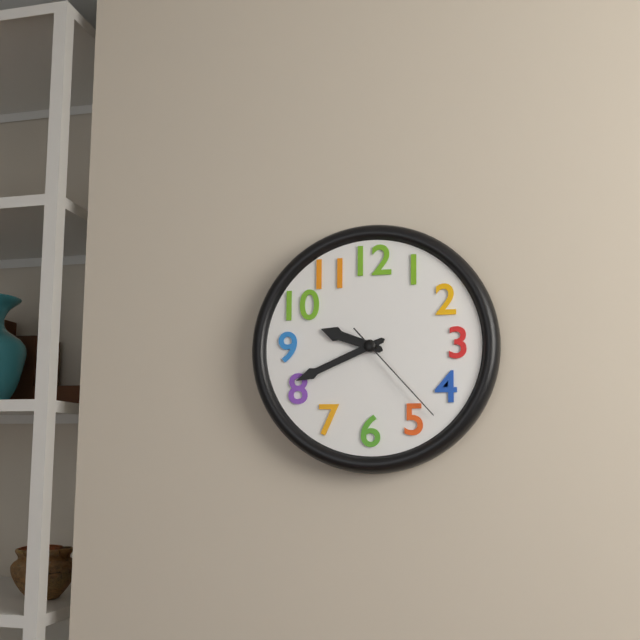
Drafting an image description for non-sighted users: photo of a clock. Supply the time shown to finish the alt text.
9:41:23
